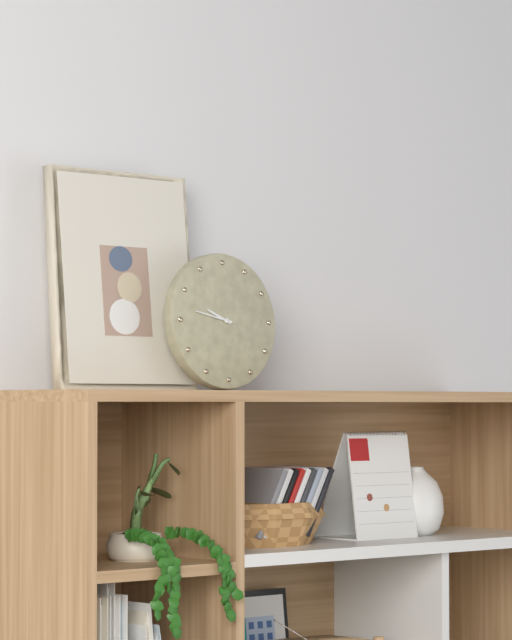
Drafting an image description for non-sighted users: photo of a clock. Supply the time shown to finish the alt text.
9:47
